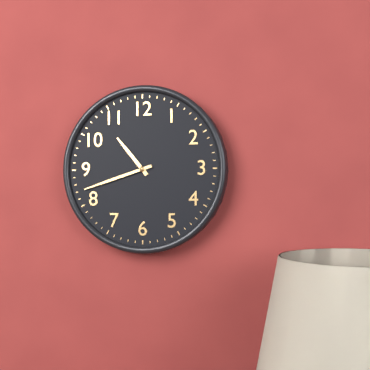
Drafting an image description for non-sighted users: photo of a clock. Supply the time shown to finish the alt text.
10:42
